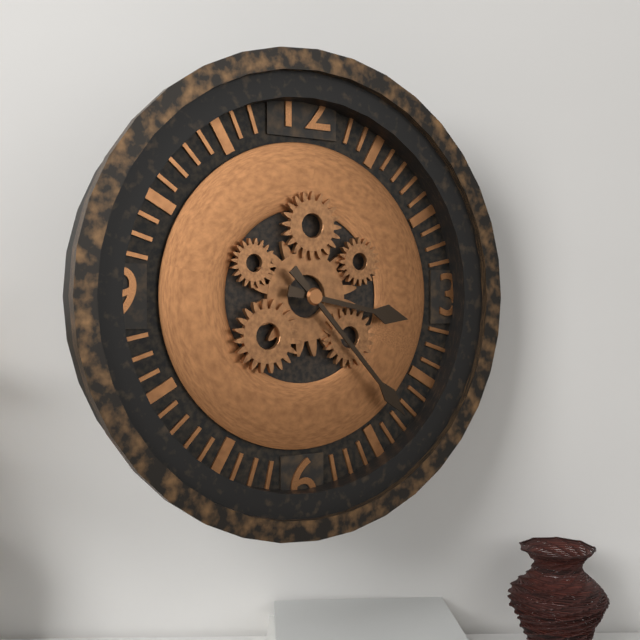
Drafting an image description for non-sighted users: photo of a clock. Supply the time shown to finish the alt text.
3:23
